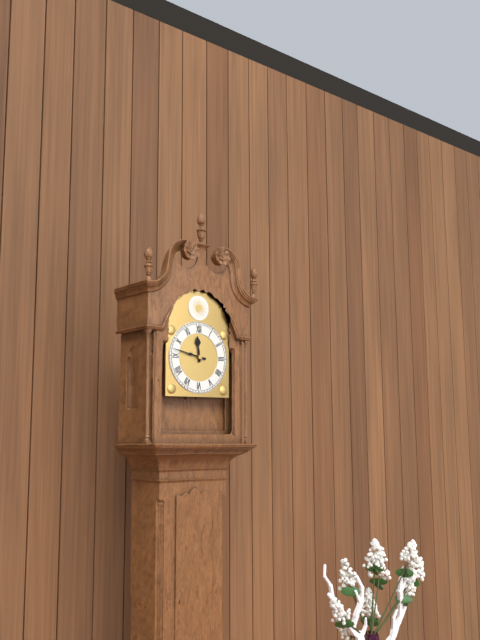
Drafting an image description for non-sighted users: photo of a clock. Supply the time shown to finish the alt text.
11:47
